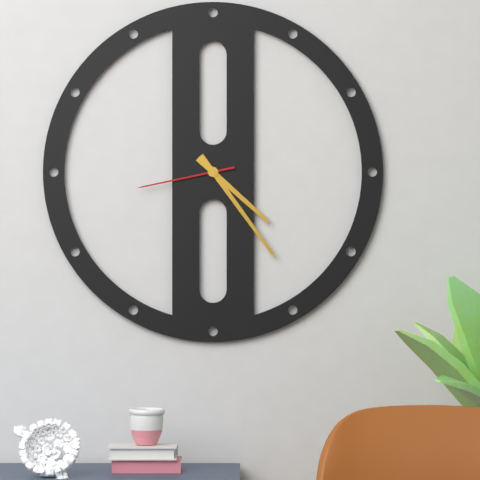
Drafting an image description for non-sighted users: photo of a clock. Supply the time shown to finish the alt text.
4:24:43
